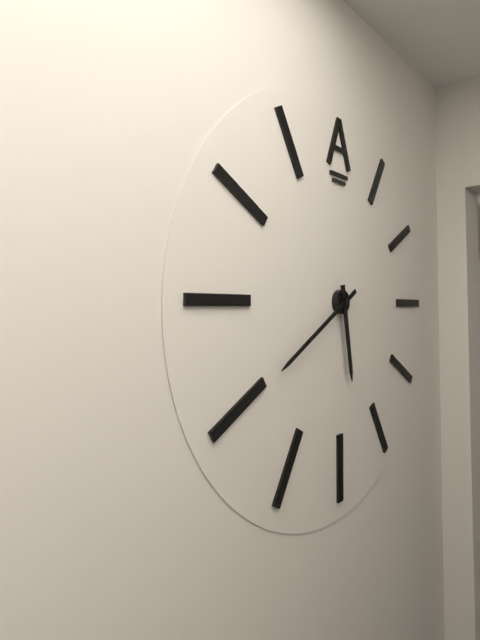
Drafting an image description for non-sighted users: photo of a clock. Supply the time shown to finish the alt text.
5:40
